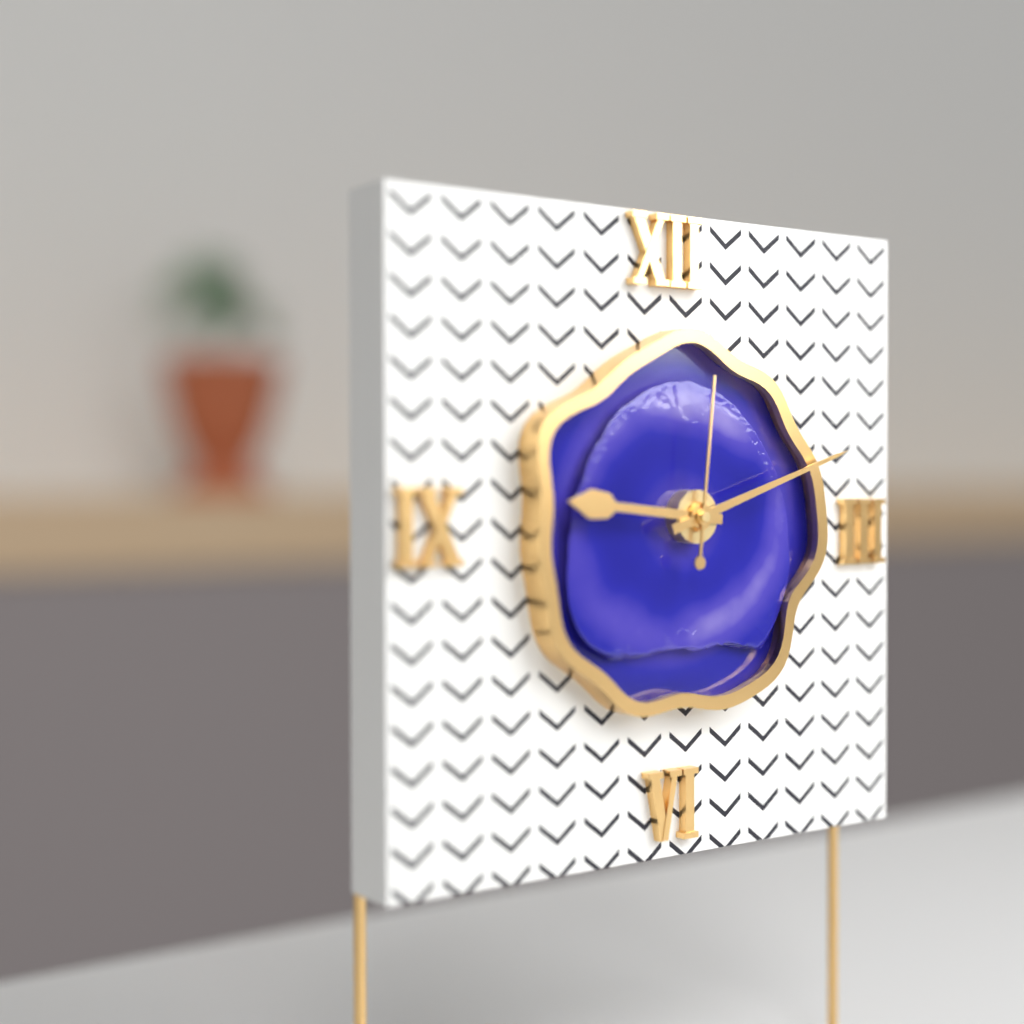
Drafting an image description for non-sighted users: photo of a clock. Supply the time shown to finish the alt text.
9:12:01
